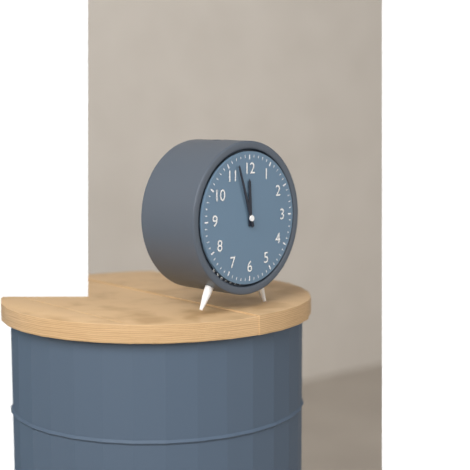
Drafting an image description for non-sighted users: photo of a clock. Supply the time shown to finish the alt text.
11:57
